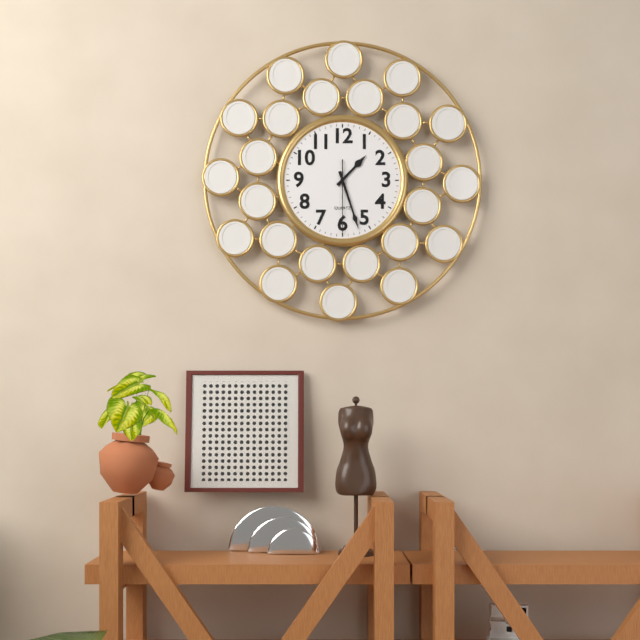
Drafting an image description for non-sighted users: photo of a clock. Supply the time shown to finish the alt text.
1:27:30
